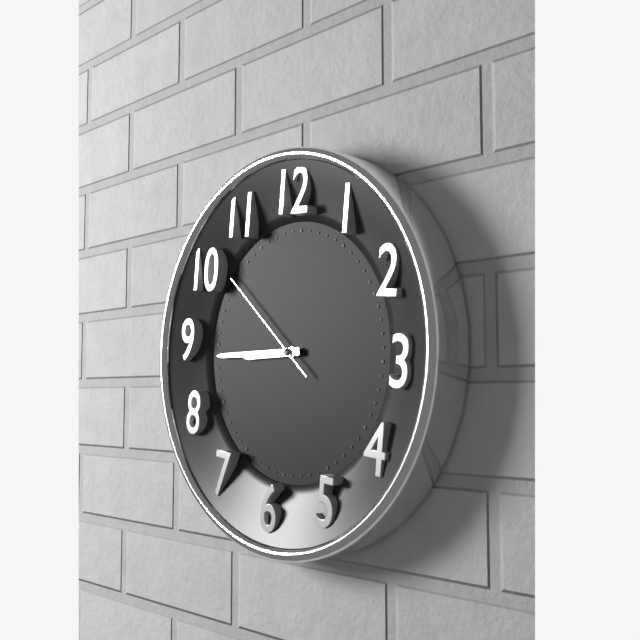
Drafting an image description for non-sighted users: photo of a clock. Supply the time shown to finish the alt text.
8:44:51
